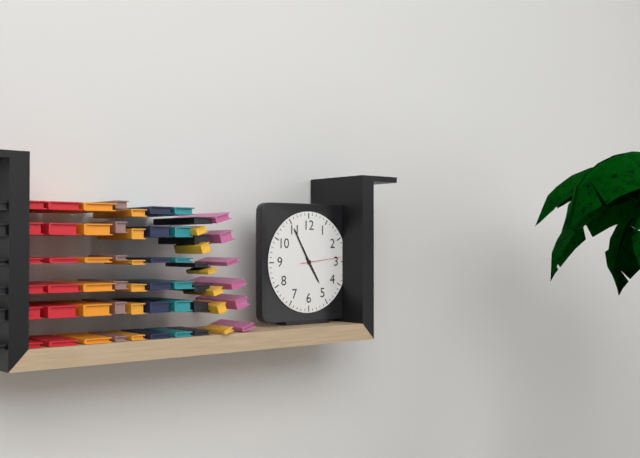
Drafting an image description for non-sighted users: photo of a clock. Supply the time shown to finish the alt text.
4:55
